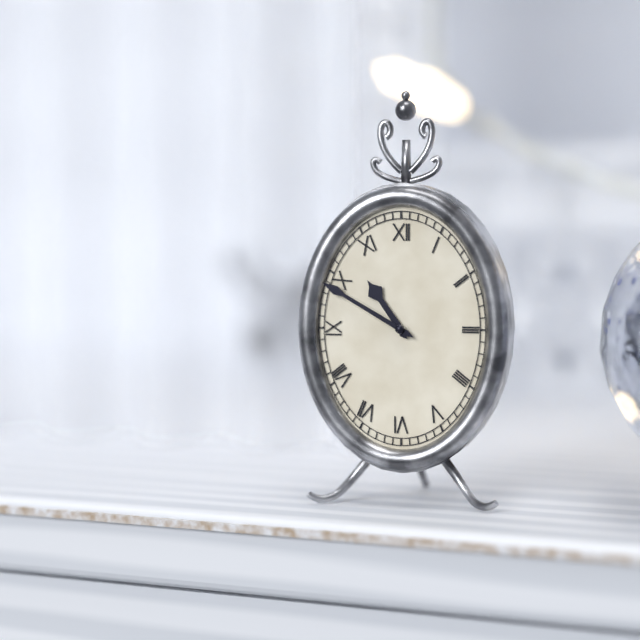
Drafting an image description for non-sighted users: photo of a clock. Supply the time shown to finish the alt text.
10:50
